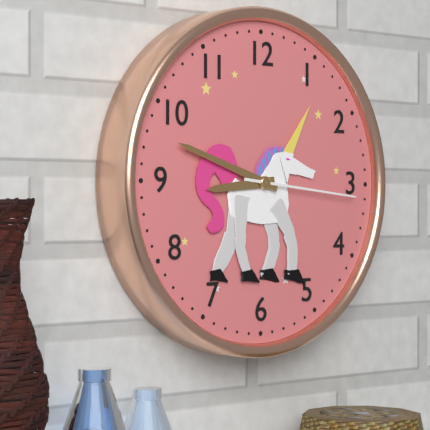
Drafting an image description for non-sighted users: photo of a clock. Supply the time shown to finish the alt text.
8:48:16
